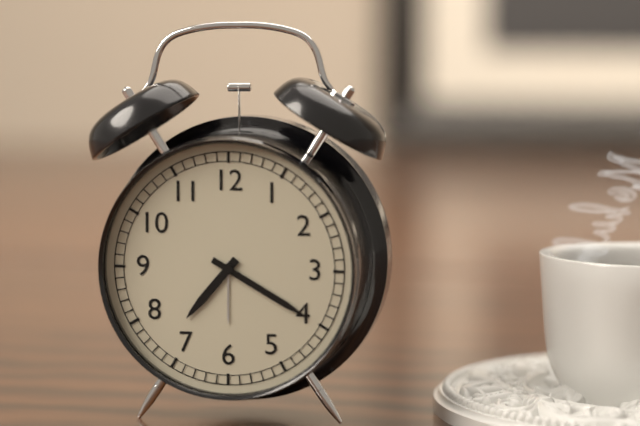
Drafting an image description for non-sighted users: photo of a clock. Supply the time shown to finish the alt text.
7:20
